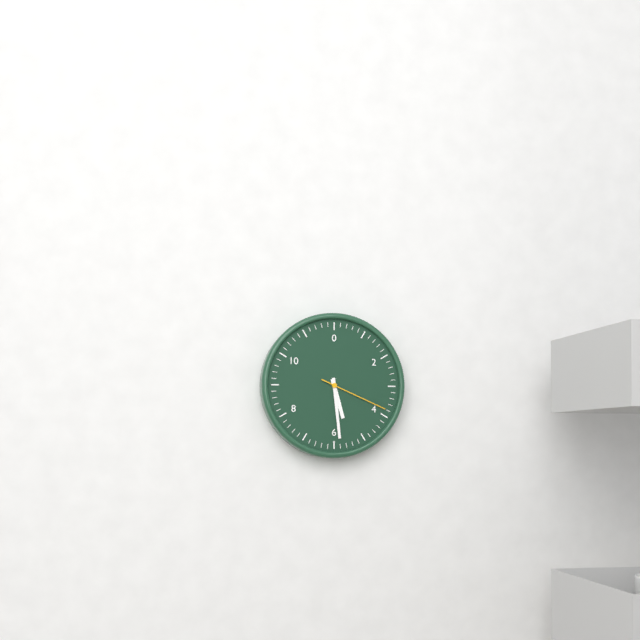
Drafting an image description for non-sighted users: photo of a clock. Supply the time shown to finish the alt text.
5:29:19
